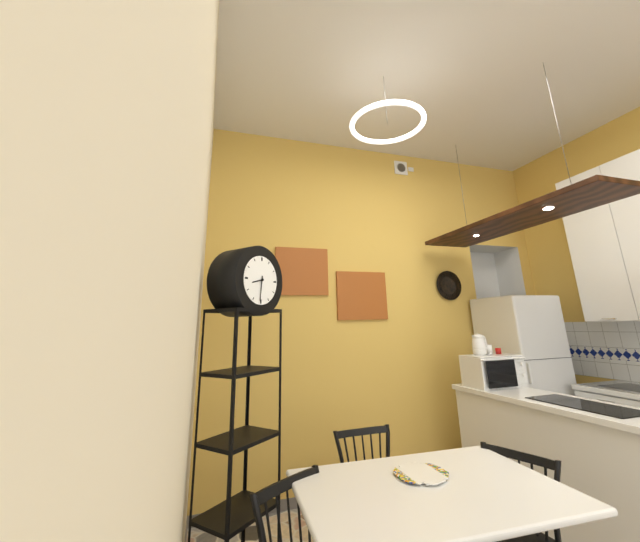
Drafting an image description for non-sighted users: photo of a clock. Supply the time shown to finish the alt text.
8:31
